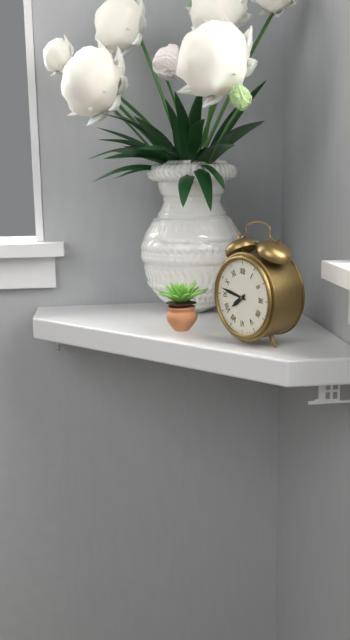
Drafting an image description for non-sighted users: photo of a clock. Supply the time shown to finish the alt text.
7:47
